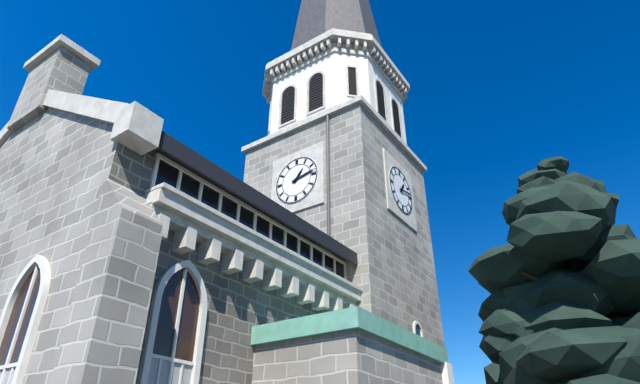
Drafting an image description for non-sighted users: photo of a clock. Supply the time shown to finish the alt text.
1:13
